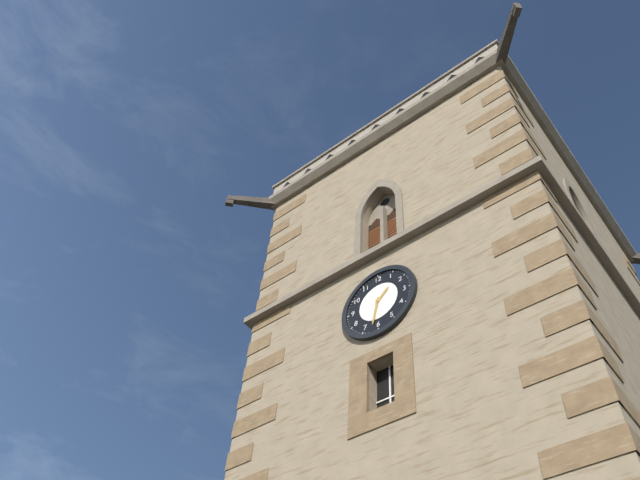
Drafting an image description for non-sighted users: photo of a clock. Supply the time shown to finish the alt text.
1:32
